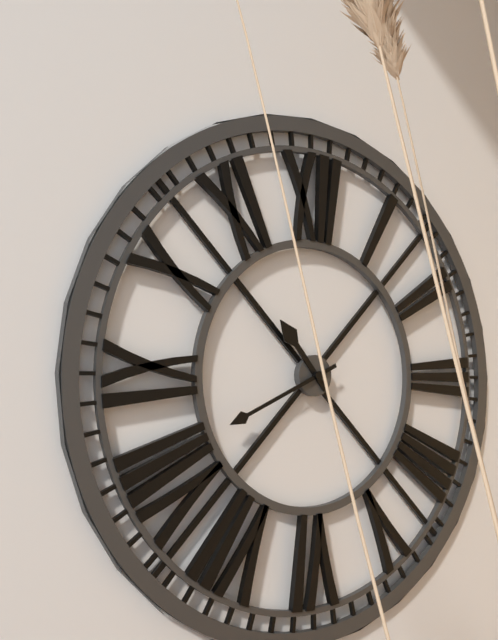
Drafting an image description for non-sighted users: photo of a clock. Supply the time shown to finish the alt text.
10:41
